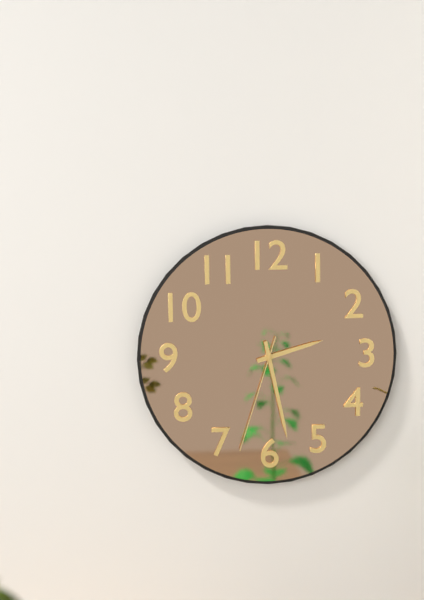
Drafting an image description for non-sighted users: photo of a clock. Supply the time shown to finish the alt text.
2:28:33
